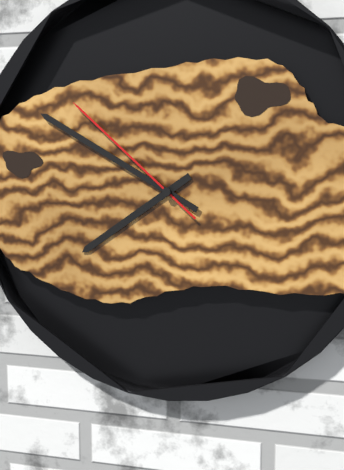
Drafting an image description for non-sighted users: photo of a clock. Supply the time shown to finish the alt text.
7:50:52
